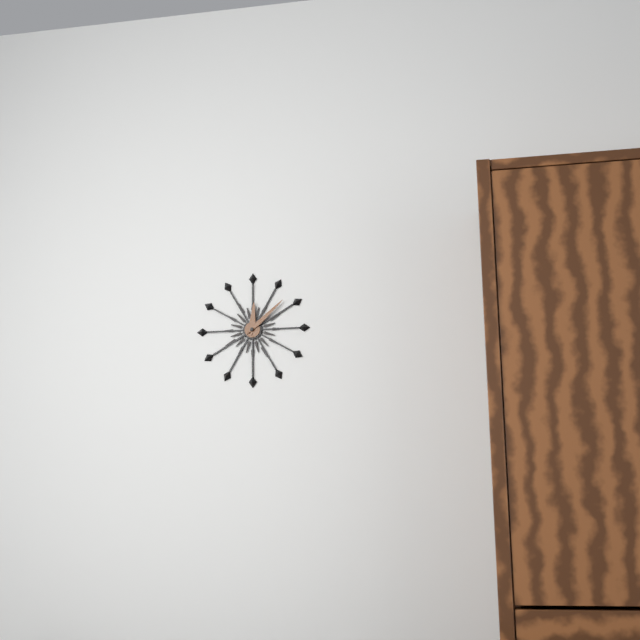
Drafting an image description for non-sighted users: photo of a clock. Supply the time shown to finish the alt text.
12:08
